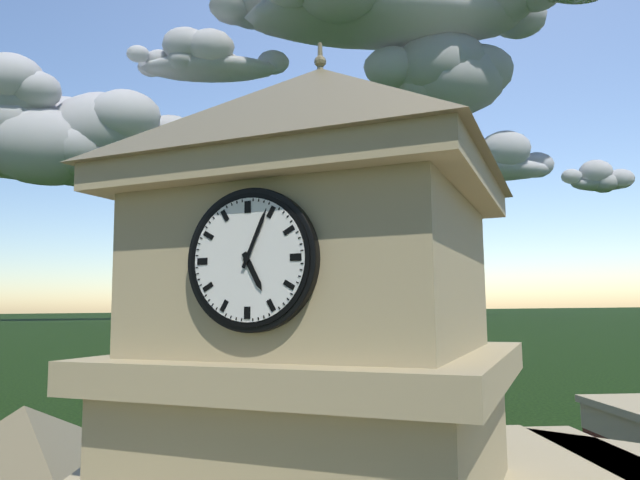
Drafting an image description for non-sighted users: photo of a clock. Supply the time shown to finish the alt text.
5:04
